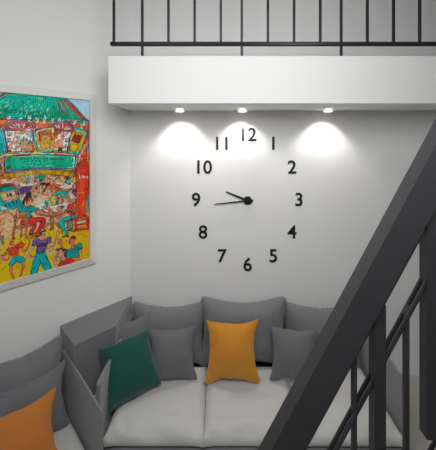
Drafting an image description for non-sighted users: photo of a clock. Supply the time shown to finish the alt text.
9:44
